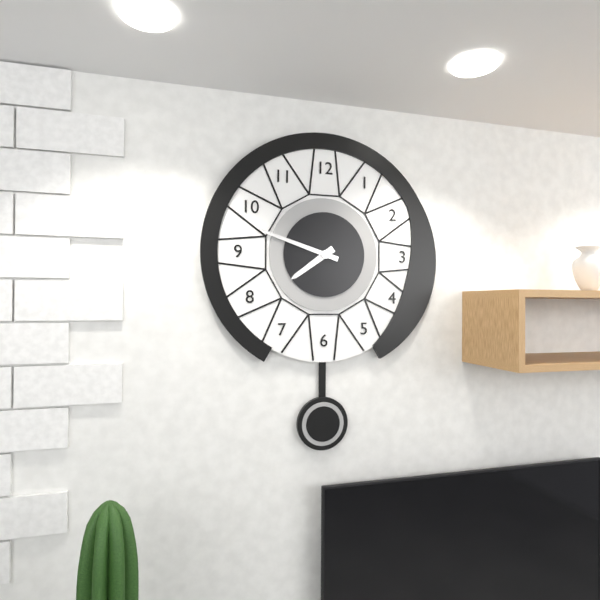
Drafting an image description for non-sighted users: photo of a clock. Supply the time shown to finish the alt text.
7:48
